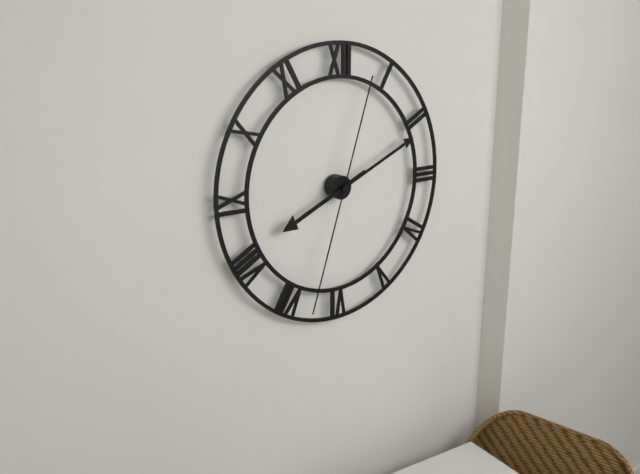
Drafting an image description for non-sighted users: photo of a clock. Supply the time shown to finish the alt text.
8:11:33
